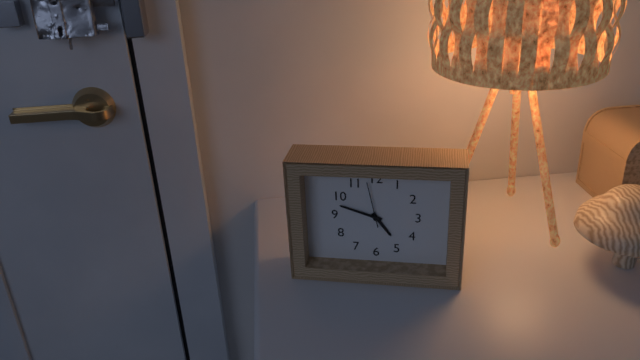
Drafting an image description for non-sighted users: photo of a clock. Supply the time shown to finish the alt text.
4:48
